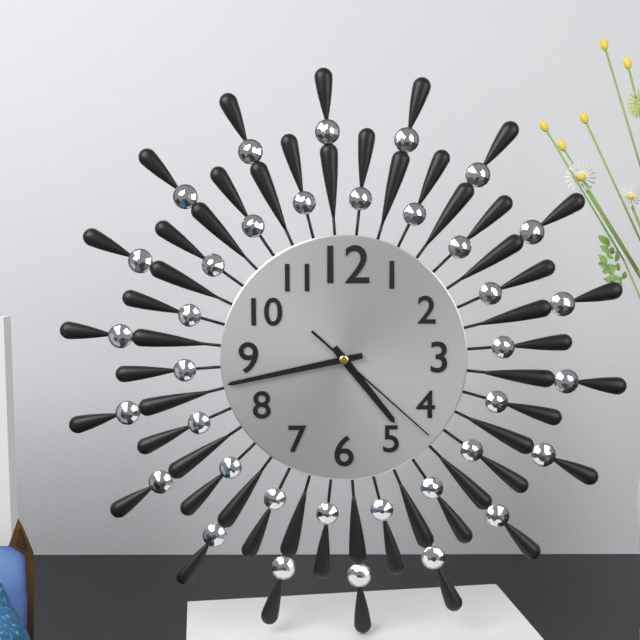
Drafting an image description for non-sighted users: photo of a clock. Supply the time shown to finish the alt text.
4:43:22
